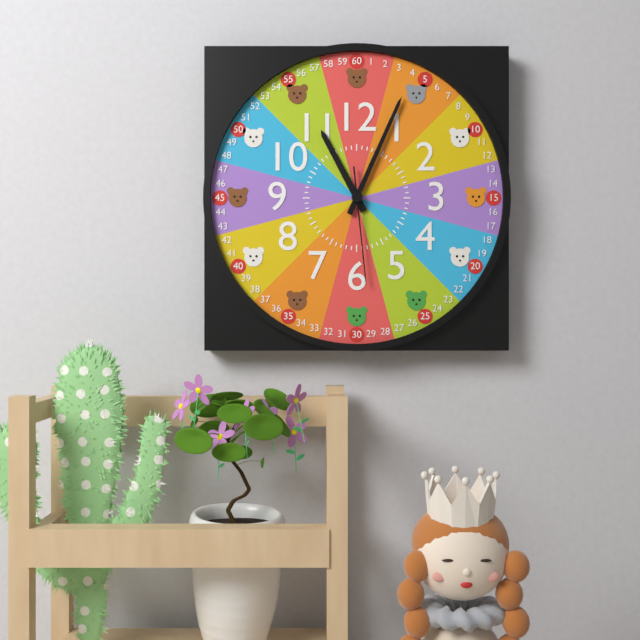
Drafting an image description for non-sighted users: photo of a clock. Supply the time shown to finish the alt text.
11:04:29
